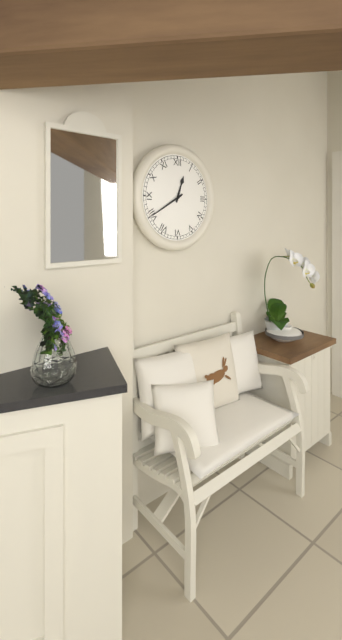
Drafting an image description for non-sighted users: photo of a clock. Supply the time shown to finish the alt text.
12:40
